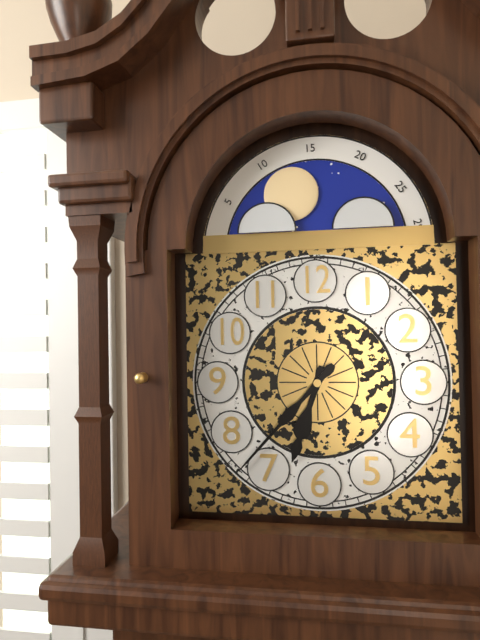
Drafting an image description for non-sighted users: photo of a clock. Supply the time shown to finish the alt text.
6:37
